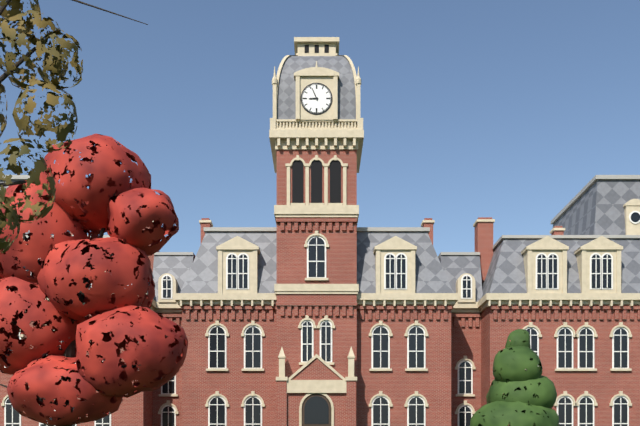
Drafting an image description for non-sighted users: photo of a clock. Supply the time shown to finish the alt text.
8:56
